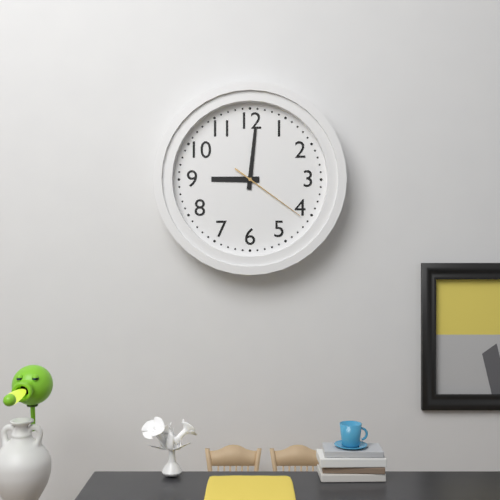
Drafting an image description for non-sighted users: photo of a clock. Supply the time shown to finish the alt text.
9:01:21
